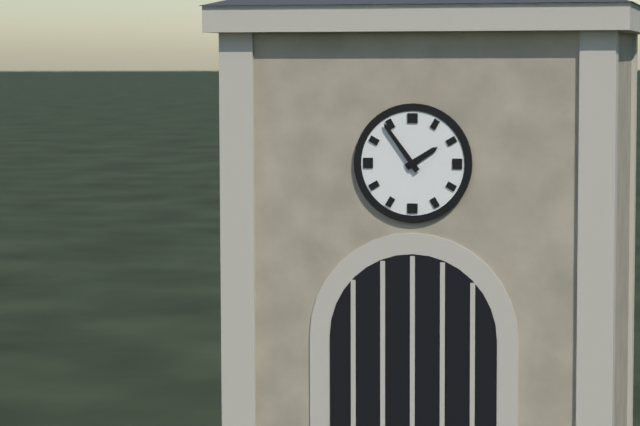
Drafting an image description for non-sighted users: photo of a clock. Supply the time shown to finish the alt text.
1:54
